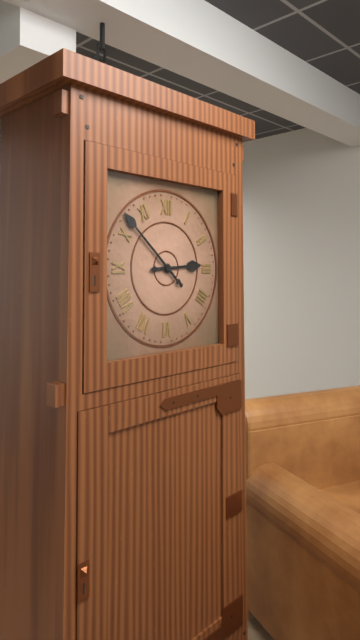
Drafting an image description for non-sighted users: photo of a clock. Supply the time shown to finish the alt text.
2:52
